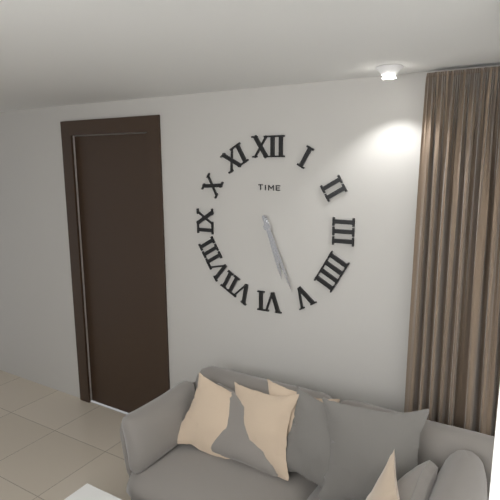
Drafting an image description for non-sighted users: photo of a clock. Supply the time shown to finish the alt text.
5:26
